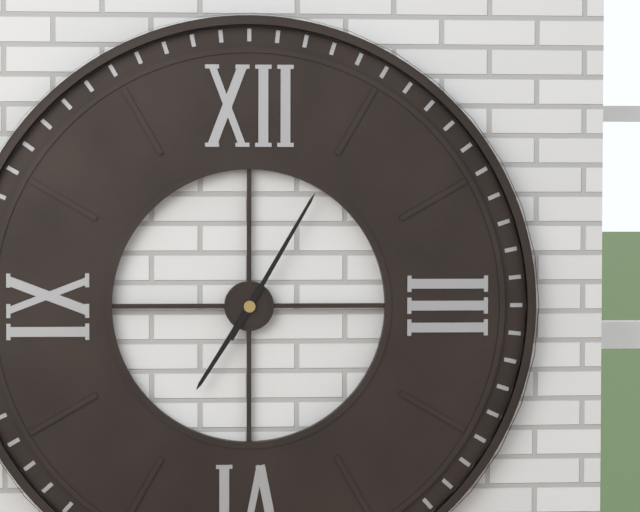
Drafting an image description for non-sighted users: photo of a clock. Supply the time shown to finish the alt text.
7:05
